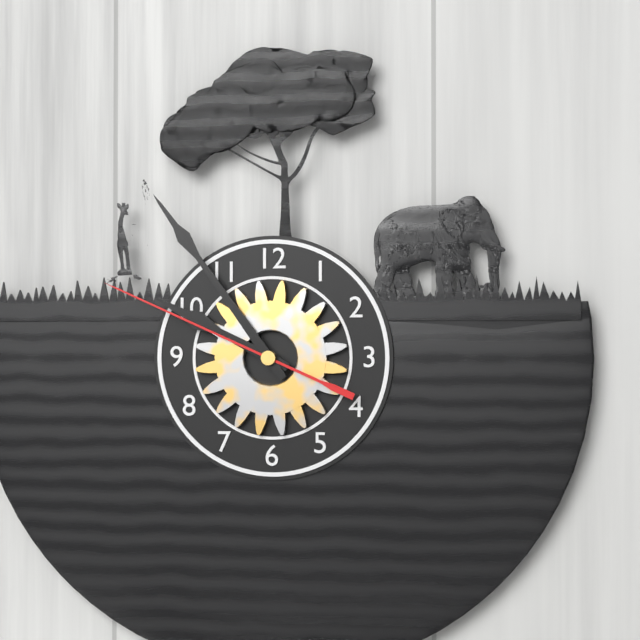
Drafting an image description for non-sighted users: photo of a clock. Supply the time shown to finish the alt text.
9:54:49
